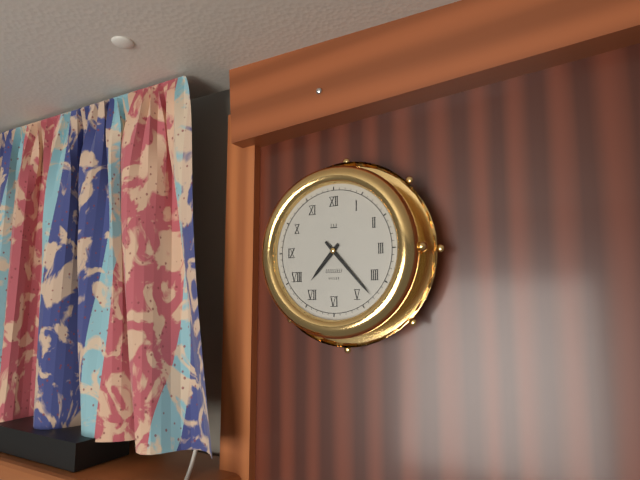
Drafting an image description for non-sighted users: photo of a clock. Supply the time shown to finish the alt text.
7:23
